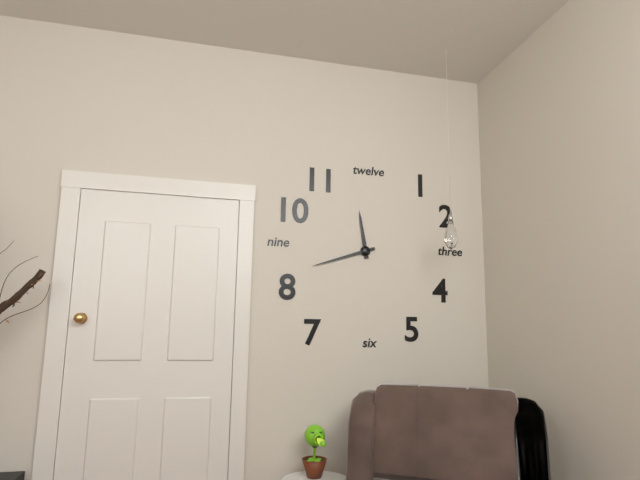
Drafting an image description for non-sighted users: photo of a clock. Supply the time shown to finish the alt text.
11:42
